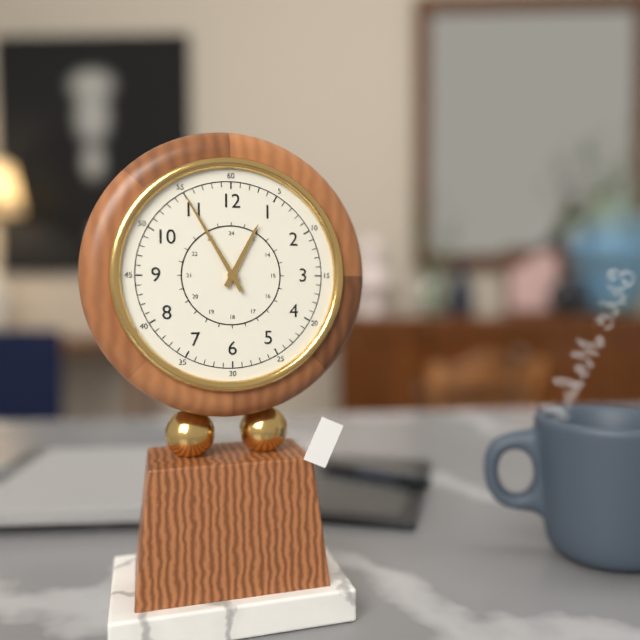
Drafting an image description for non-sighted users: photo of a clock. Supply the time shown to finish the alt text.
12:55
